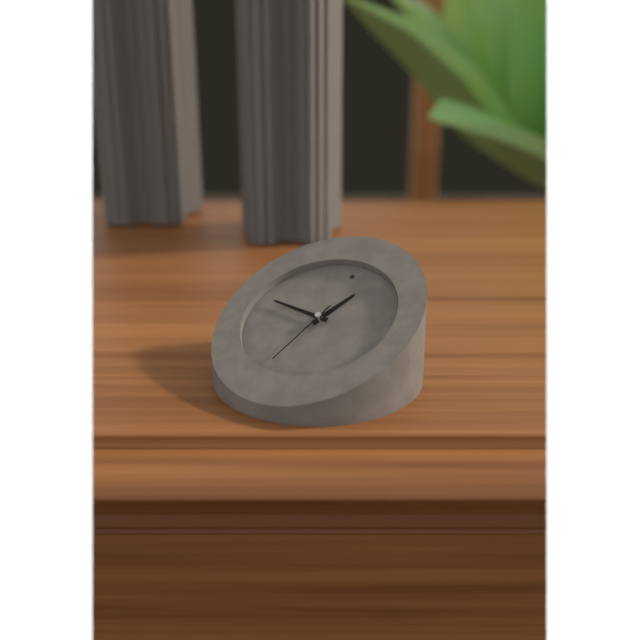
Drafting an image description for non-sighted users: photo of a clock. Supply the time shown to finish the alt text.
12:46:32
